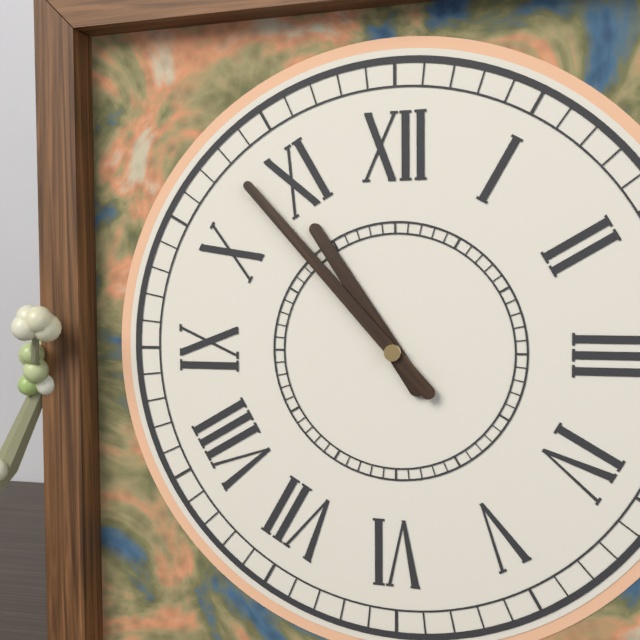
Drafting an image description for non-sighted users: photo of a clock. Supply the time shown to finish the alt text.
10:53
